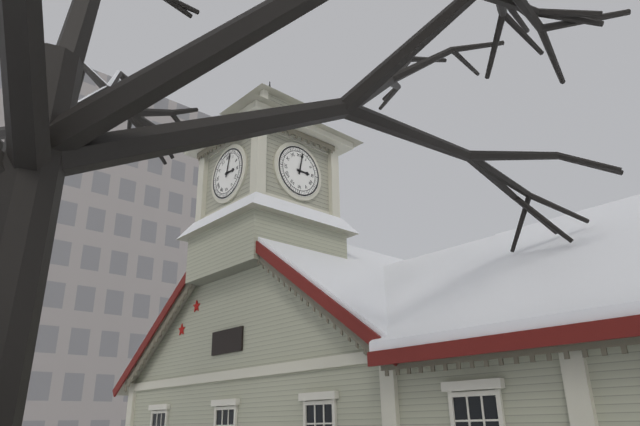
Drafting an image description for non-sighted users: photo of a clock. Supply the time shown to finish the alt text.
3:02
